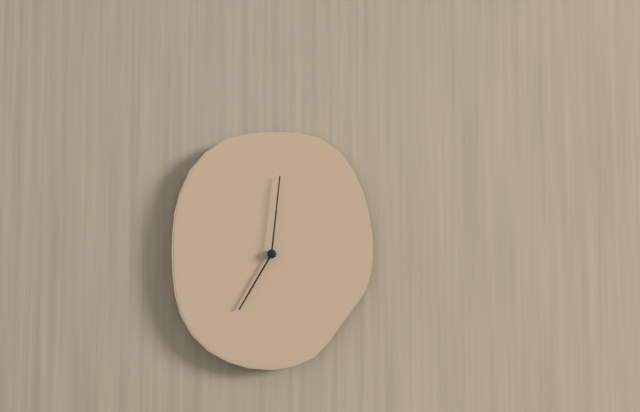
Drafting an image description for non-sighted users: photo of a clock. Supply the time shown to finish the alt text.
7:01
